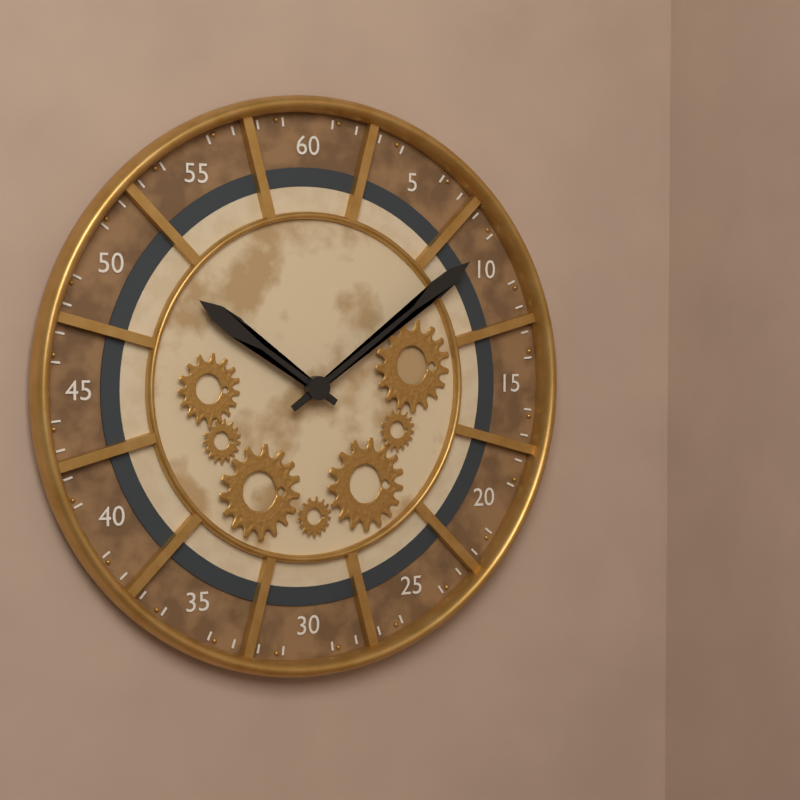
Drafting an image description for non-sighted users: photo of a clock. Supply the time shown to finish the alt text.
10:09
